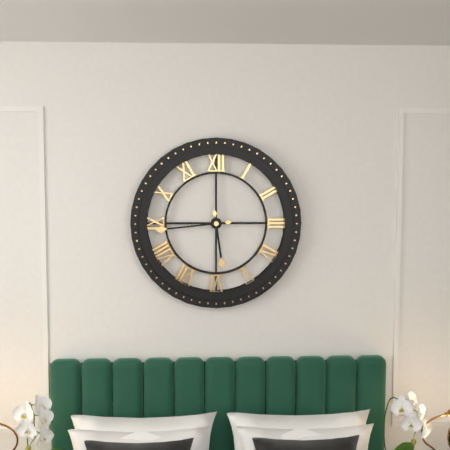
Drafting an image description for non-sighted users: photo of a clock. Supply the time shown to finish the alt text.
5:44
